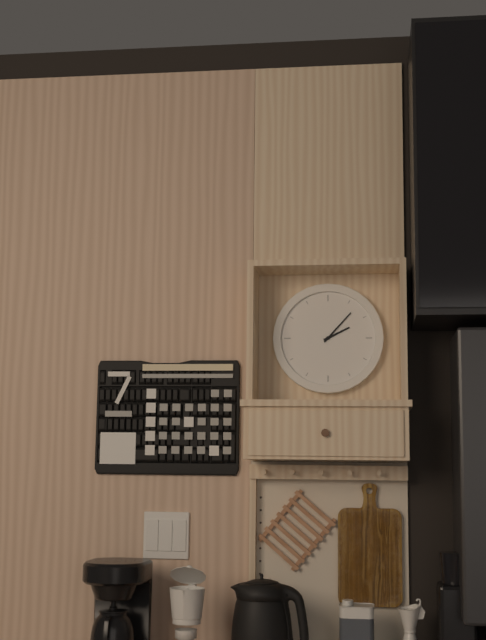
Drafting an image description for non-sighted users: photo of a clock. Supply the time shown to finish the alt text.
2:07
